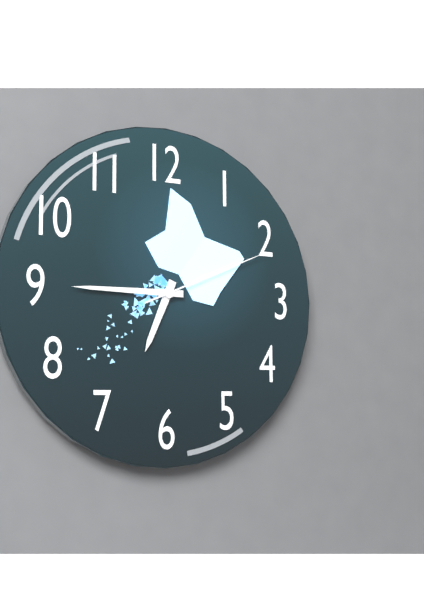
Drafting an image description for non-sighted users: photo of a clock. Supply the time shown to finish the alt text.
6:45:11
